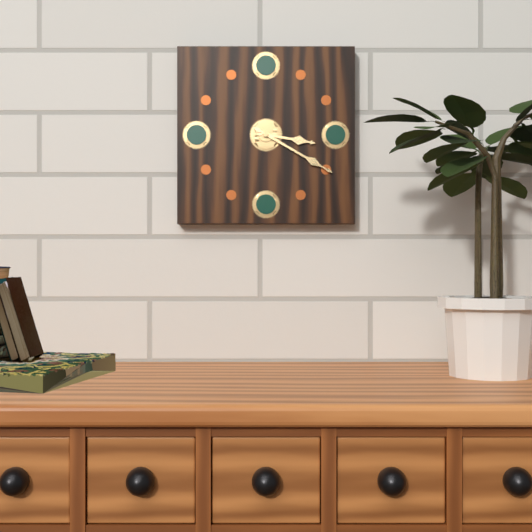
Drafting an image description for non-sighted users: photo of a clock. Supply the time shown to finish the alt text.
3:20
